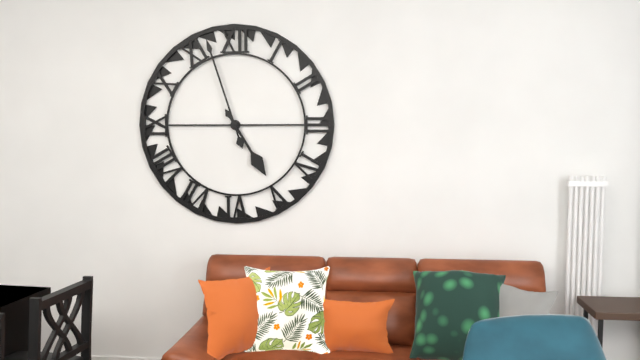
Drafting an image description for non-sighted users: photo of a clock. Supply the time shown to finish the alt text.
4:57
